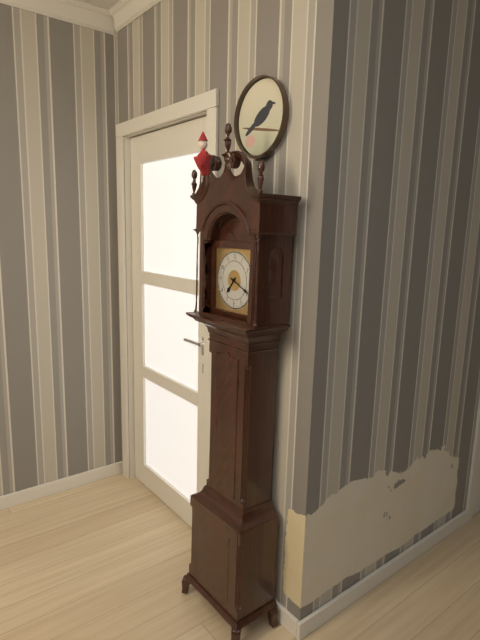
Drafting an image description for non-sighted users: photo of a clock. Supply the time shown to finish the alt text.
7:19
